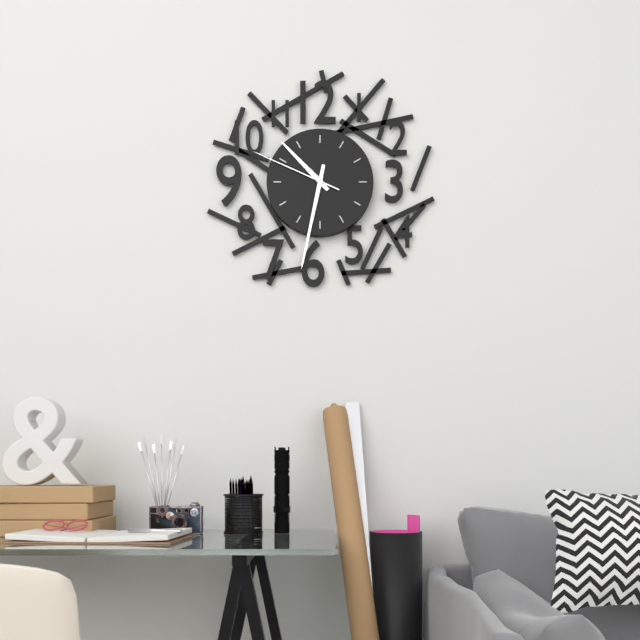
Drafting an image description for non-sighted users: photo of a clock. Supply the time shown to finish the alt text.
10:32:49
